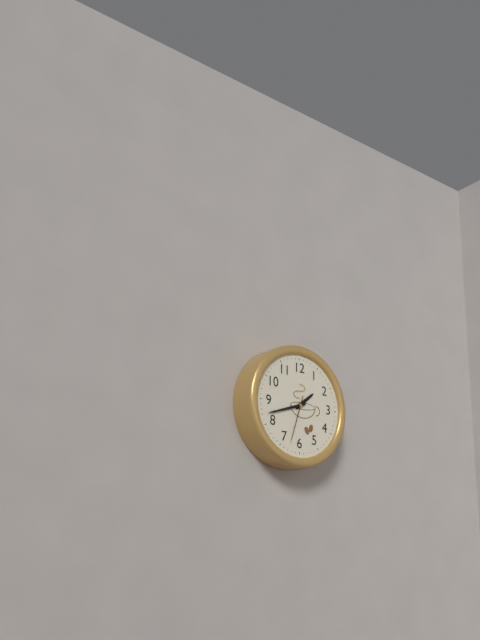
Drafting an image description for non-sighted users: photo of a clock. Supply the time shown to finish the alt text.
1:42
